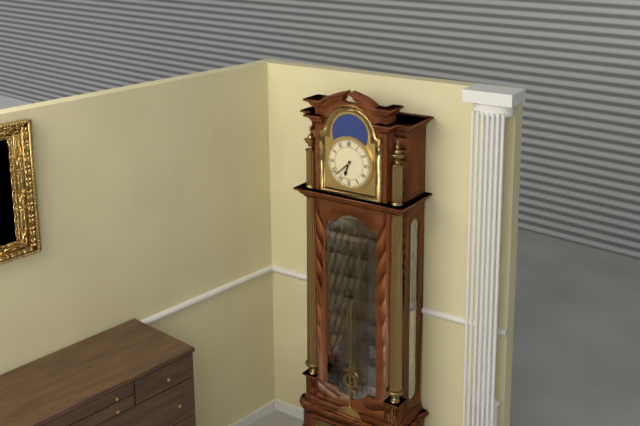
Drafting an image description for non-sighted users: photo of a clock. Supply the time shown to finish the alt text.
6:38
